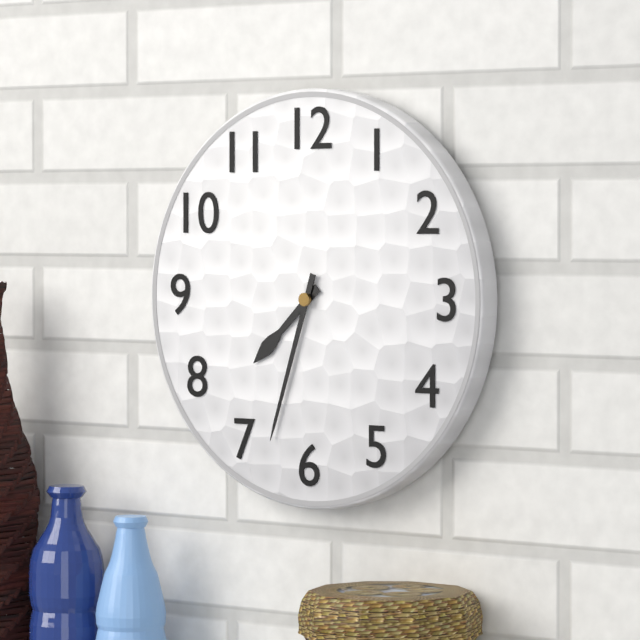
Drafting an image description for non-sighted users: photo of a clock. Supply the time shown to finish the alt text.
7:33
